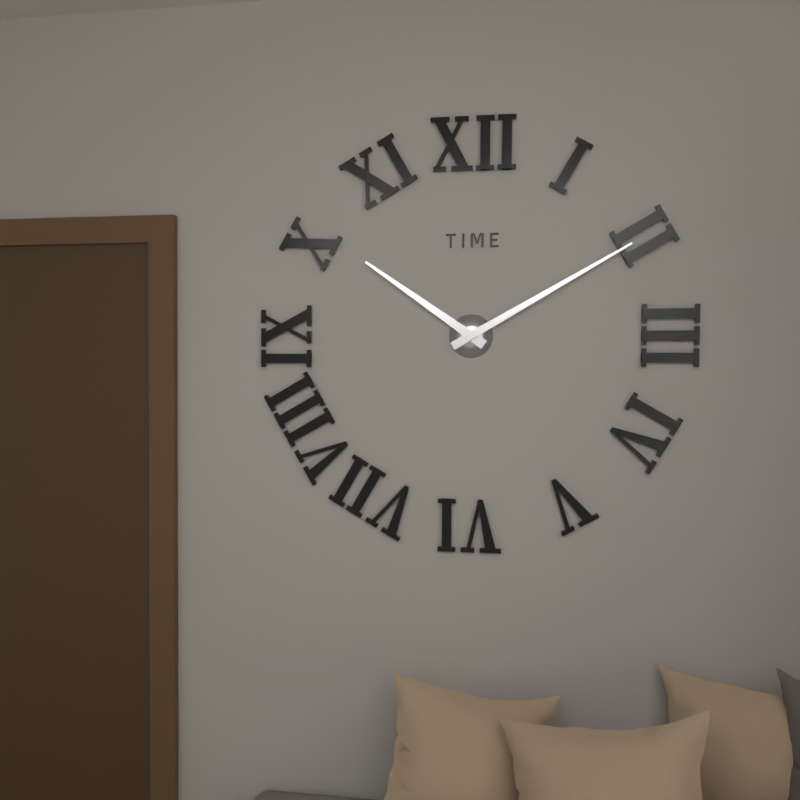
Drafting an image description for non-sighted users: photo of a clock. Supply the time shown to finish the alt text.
10:10
